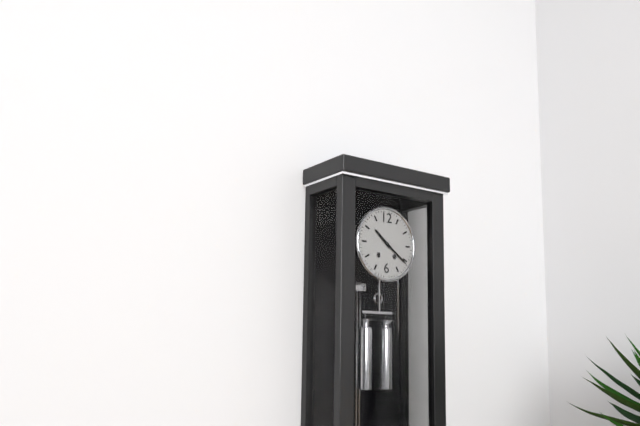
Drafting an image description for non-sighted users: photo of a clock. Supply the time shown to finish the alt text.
10:21
